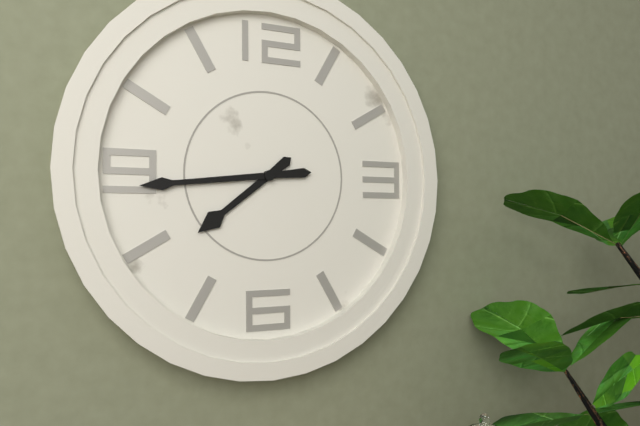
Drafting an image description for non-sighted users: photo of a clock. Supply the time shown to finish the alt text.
7:44
